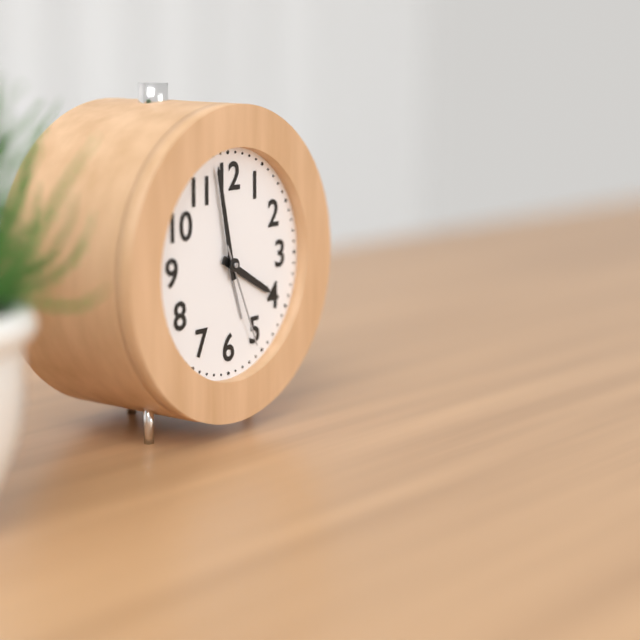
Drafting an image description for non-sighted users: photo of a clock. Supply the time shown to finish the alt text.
3:58:26
